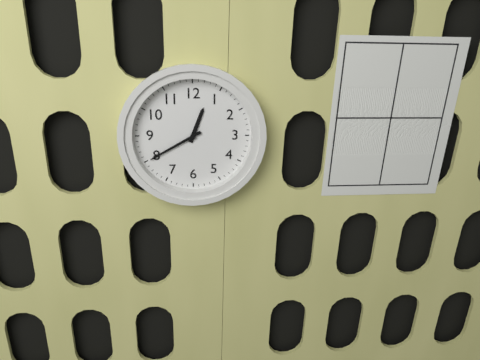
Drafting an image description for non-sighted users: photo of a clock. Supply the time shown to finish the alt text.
12:40
